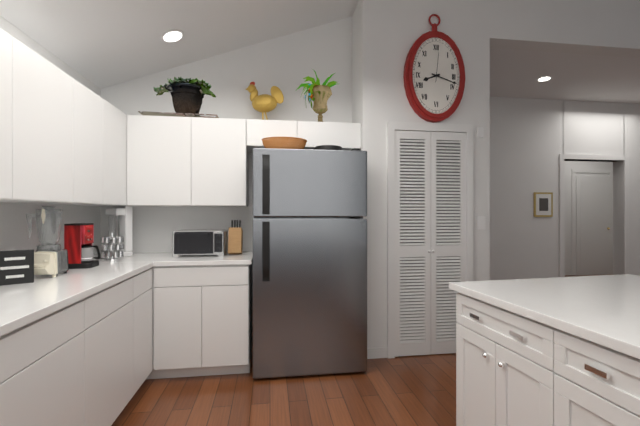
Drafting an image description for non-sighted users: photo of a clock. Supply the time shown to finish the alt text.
8:18
